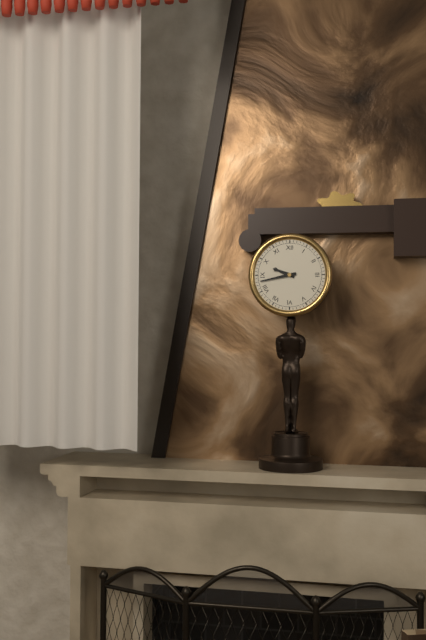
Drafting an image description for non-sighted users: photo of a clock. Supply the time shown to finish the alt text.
9:43
